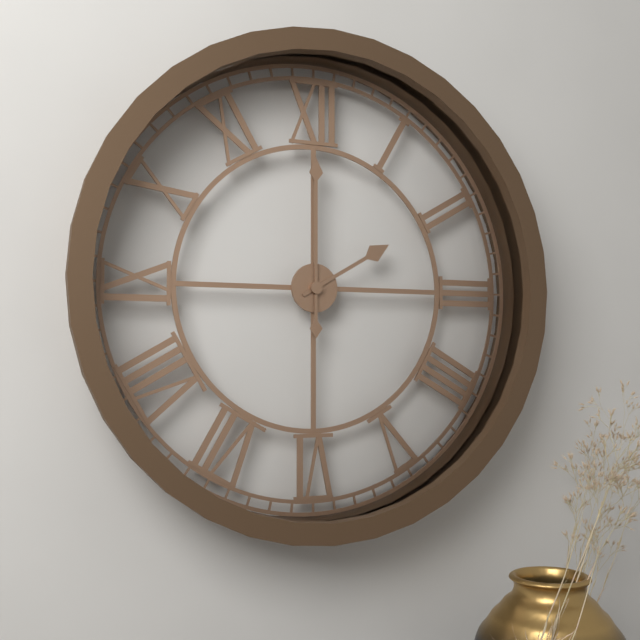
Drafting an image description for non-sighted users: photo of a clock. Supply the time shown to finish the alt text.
2:00
